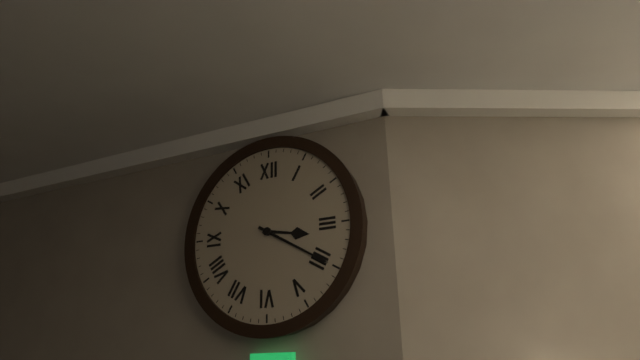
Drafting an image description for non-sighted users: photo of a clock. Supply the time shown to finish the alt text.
3:20
